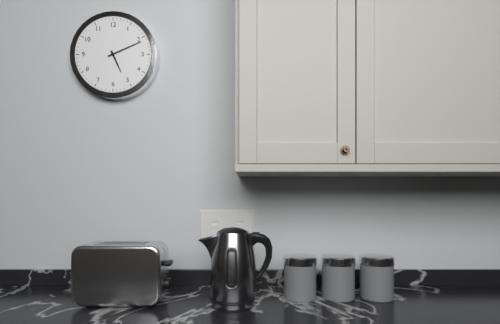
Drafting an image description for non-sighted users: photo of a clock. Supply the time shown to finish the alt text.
5:11
